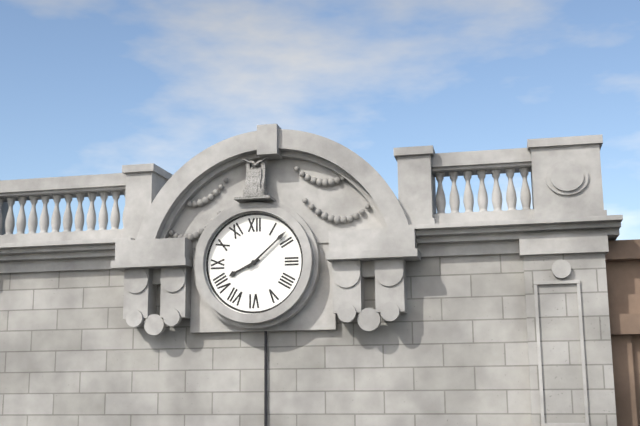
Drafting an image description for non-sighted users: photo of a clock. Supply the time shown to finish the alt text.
8:08
